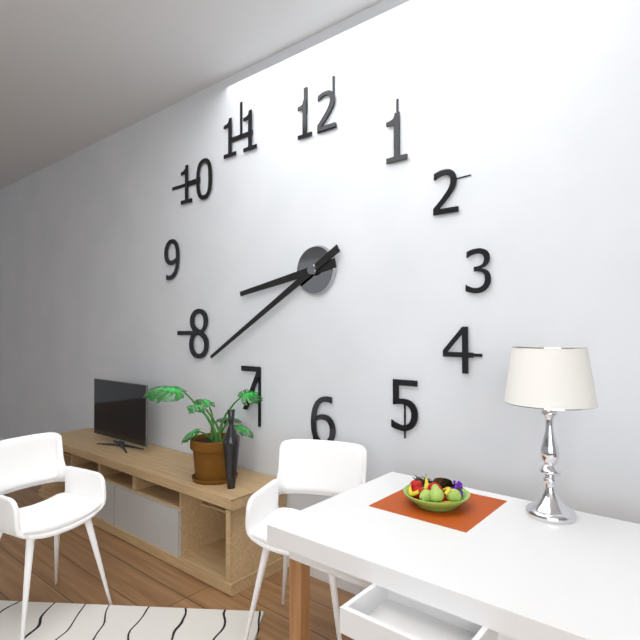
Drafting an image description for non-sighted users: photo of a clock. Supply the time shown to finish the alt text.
8:40
